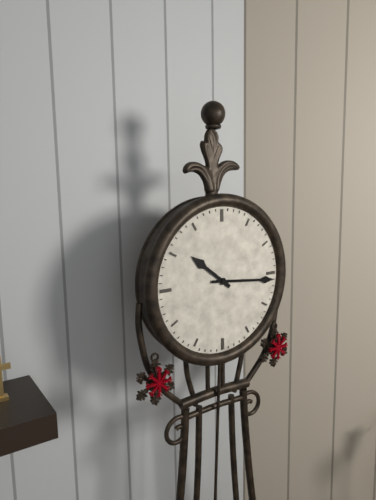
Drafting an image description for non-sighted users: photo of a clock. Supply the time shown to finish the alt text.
10:16
